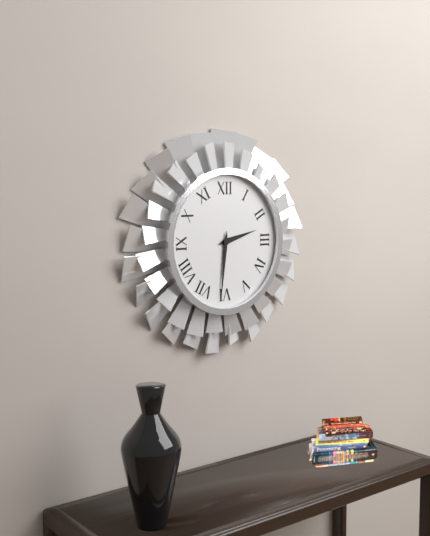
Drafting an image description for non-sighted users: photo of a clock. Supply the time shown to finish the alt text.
2:31
